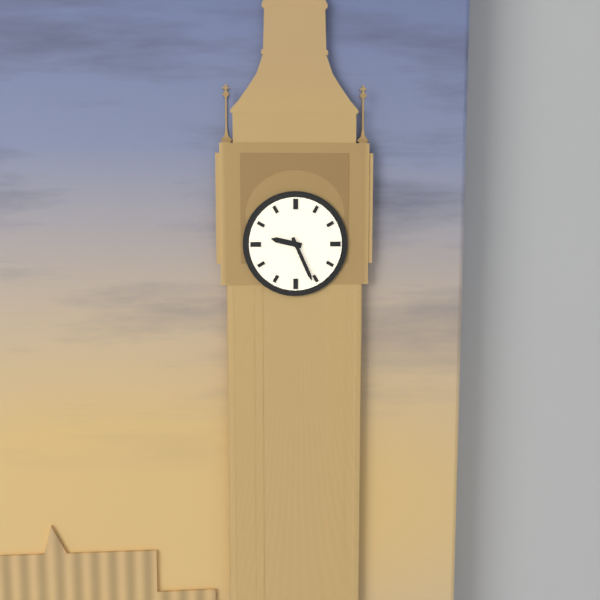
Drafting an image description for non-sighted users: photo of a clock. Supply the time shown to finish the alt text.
9:26
